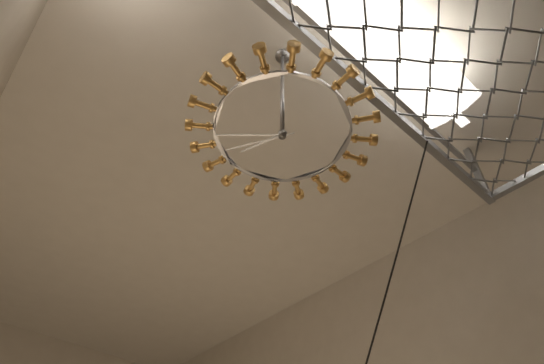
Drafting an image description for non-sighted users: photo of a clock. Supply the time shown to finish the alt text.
6:38:35
